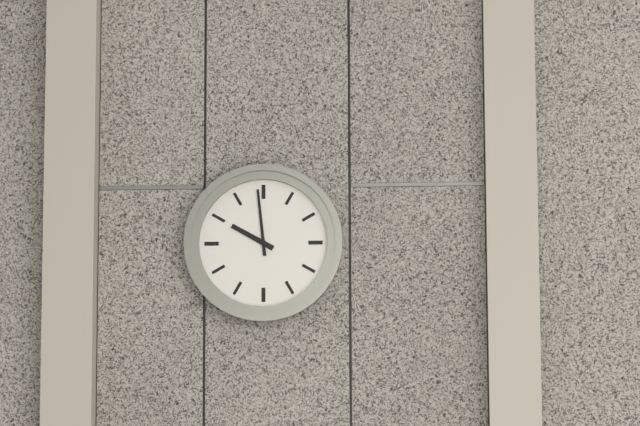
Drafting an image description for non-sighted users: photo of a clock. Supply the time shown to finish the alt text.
9:59
